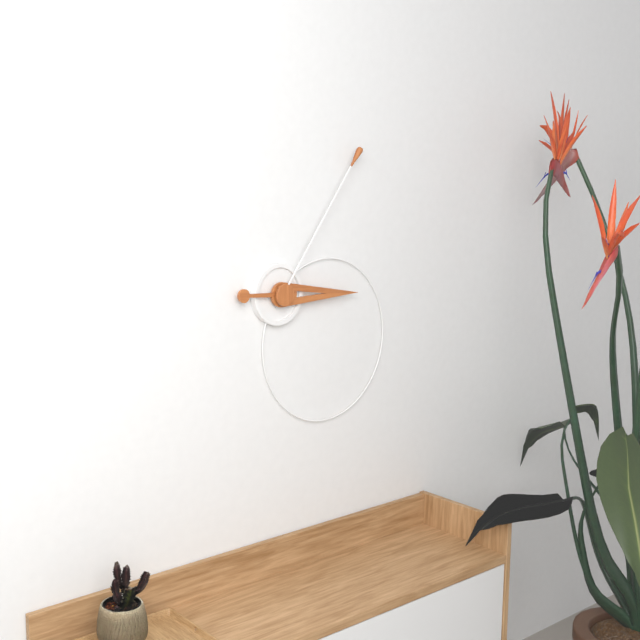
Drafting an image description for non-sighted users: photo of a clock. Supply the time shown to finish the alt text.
3:06
